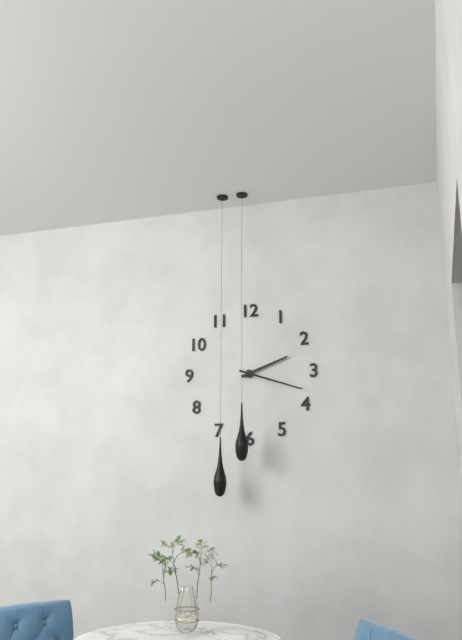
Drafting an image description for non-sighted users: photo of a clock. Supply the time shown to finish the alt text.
2:18
